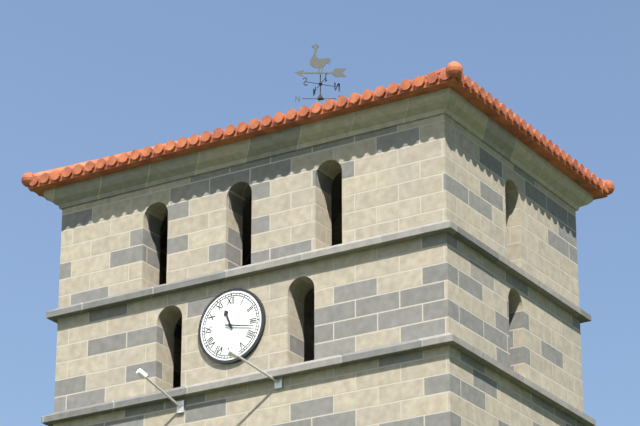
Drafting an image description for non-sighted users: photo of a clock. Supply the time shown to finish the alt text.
11:17
